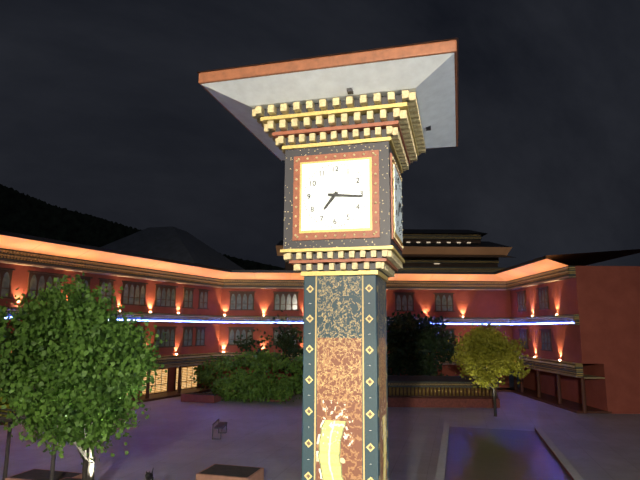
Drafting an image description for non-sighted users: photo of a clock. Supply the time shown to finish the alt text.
7:16
